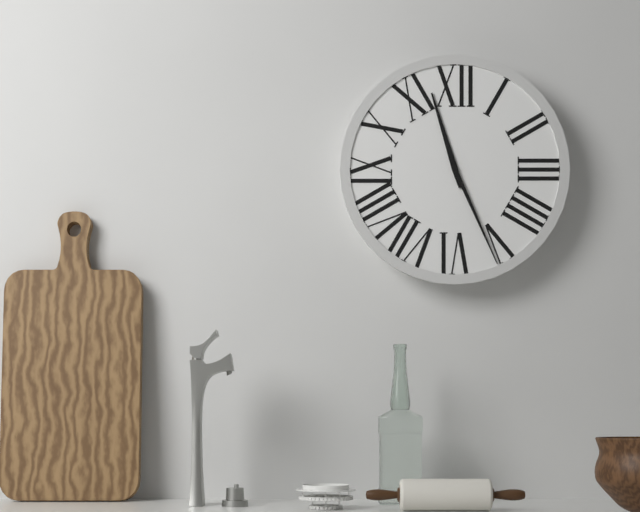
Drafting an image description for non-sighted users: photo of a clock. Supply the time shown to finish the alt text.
11:26
